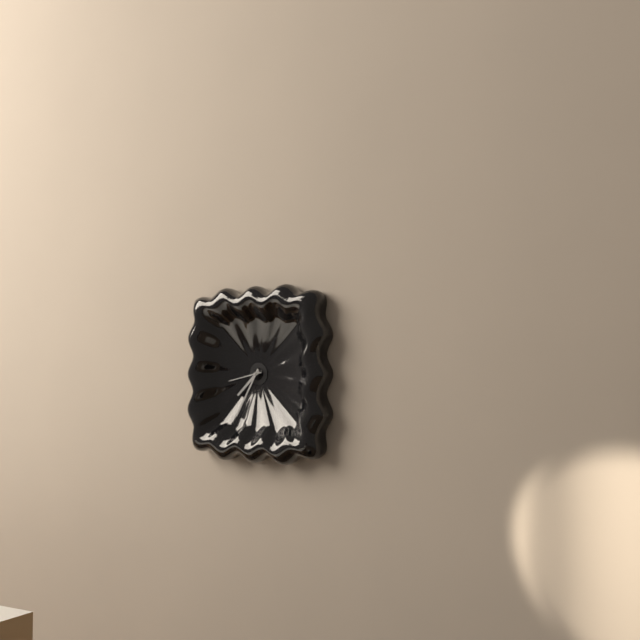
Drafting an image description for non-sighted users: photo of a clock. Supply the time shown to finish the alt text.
7:35
